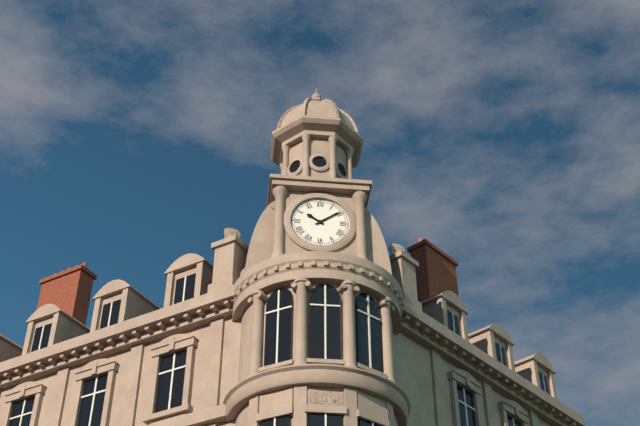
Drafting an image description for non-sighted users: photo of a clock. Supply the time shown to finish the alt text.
10:09
